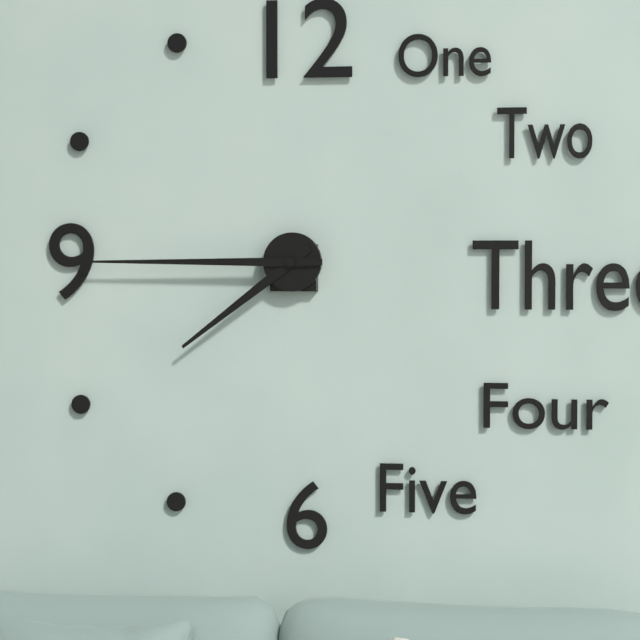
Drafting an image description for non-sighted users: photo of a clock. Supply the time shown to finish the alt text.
7:45
